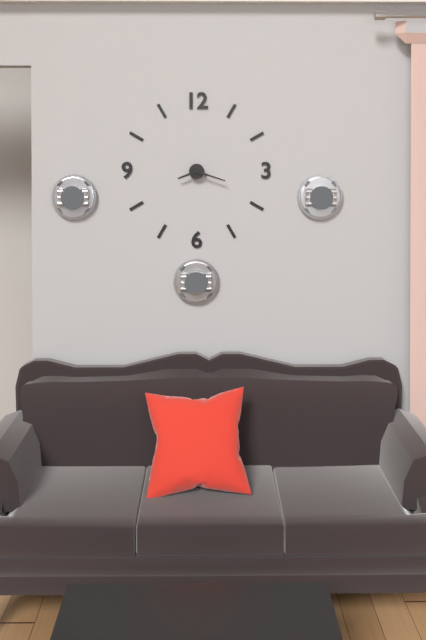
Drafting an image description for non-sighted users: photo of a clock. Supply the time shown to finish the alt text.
8:18
